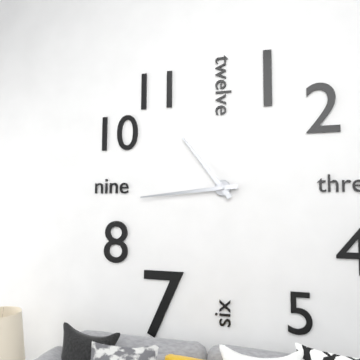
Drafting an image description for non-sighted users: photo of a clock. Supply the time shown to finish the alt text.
10:44
